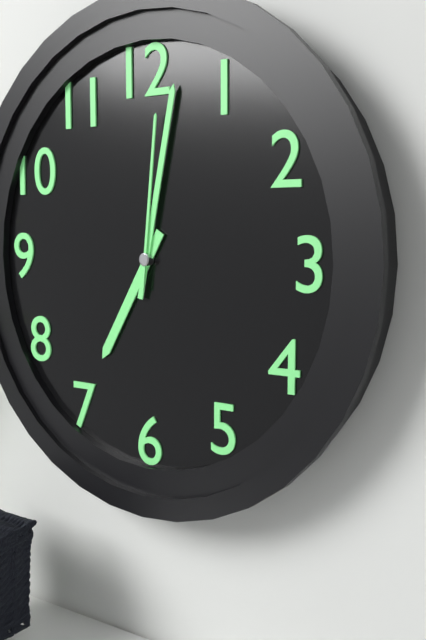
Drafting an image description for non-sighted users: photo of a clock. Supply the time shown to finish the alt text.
7:02:01
